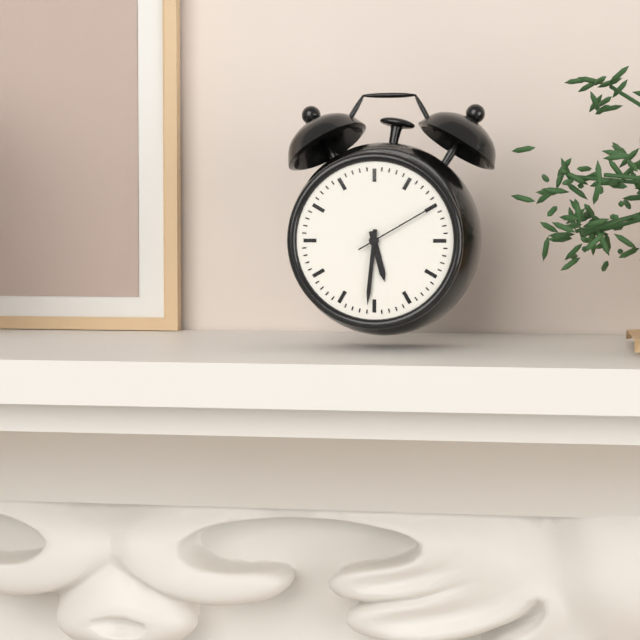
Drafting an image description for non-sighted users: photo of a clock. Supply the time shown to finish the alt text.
5:31:10
